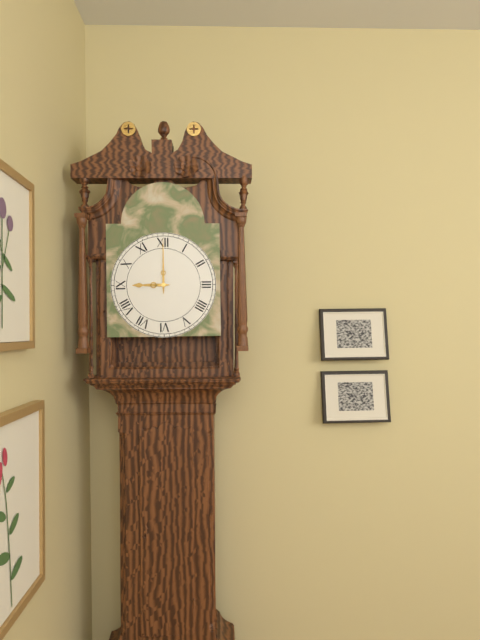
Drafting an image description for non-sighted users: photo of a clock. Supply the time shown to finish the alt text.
9:00
